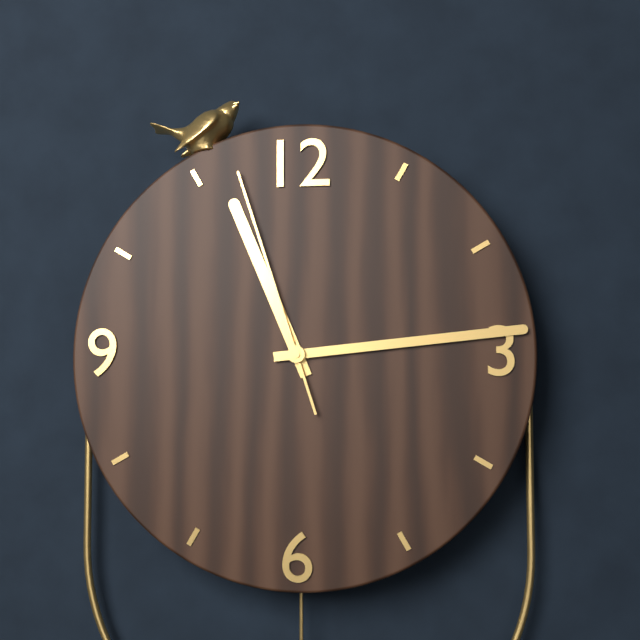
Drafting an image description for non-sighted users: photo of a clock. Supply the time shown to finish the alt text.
11:14:57
